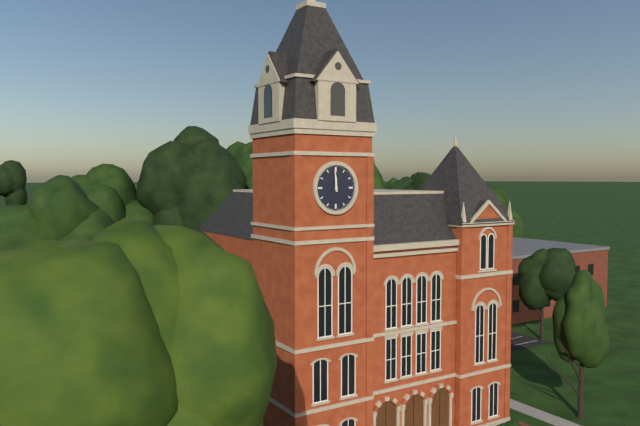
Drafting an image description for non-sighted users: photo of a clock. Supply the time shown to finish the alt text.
11:59
